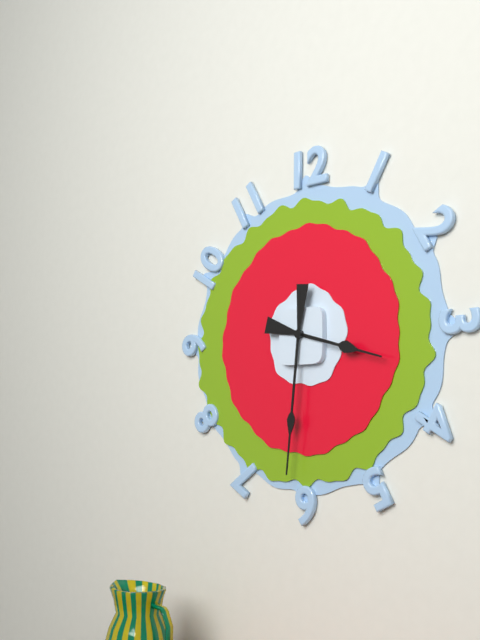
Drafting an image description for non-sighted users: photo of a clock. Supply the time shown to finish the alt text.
3:31
